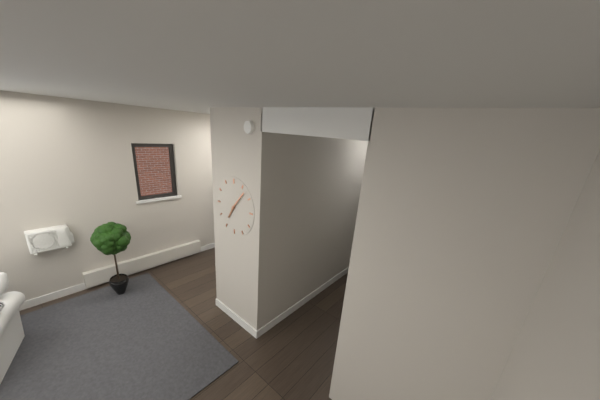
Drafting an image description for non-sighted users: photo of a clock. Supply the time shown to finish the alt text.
7:07
